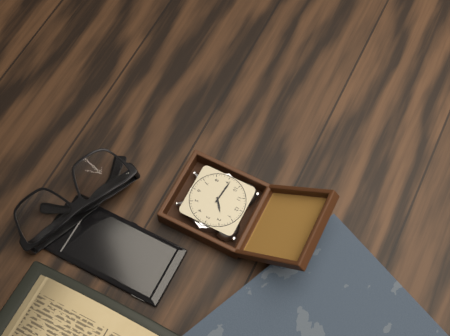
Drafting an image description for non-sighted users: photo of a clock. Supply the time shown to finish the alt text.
1:46
